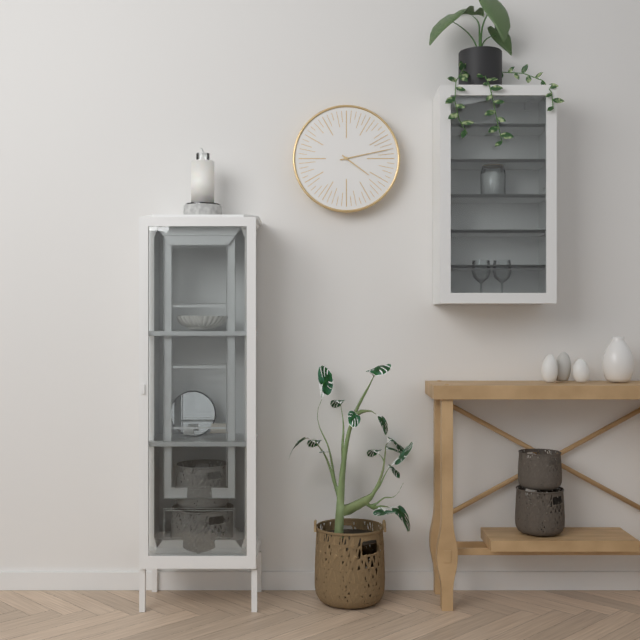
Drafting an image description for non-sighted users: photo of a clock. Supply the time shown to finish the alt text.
4:13
